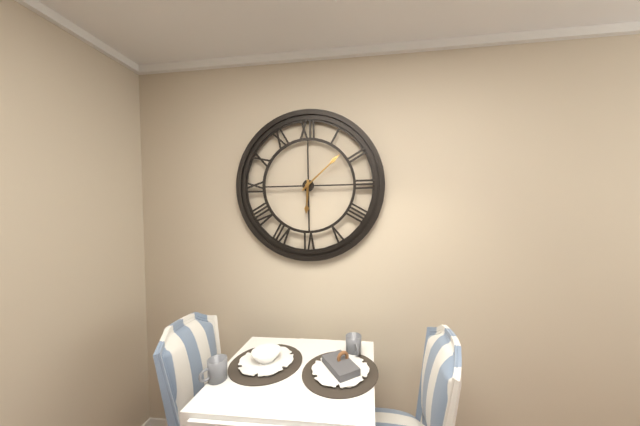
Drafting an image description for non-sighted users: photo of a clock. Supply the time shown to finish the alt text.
6:08
